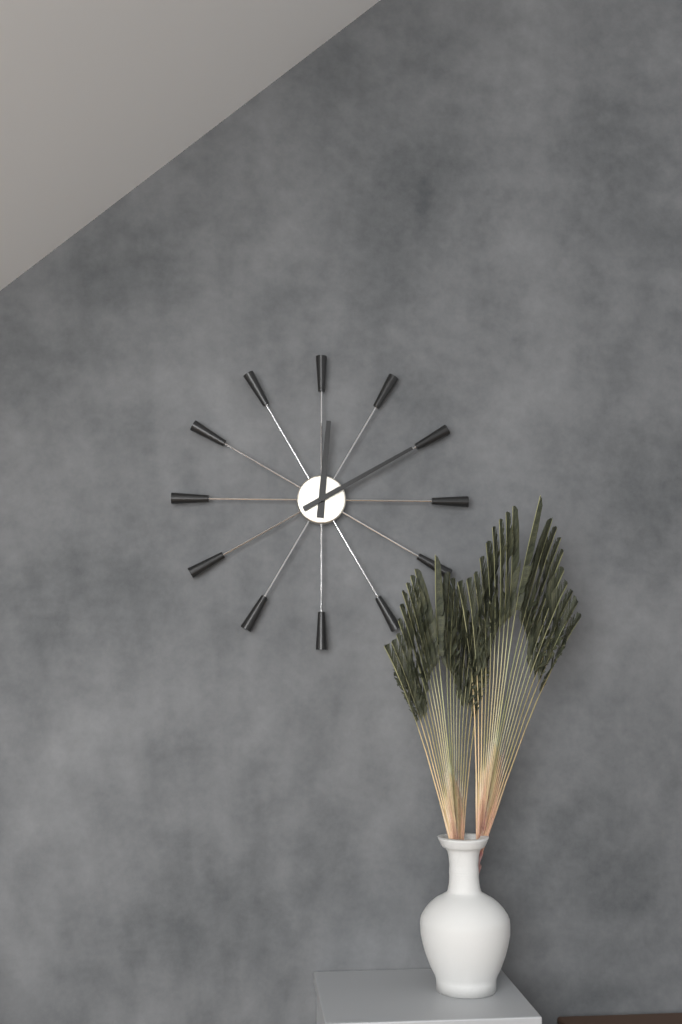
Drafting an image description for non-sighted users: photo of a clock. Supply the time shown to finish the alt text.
12:10
